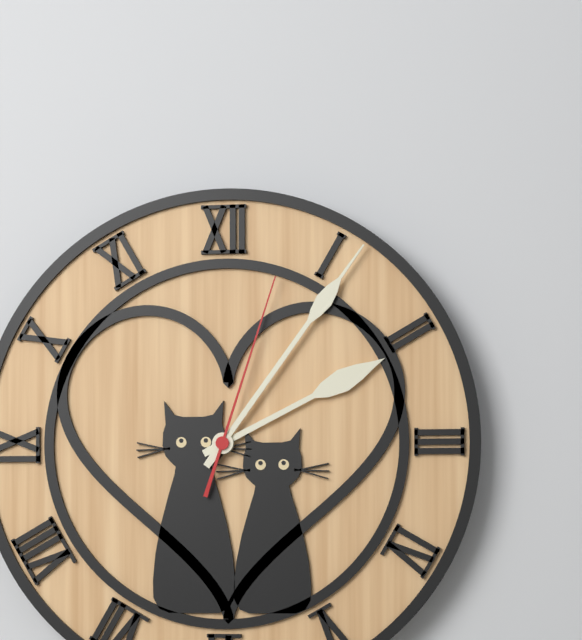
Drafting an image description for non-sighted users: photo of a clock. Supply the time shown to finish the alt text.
2:06:03
